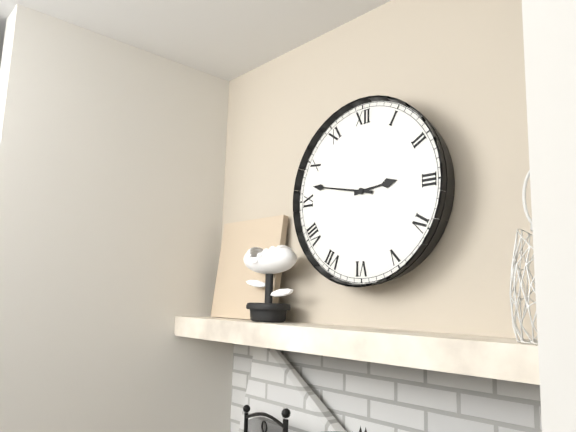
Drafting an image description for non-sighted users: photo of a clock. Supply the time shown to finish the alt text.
2:47
